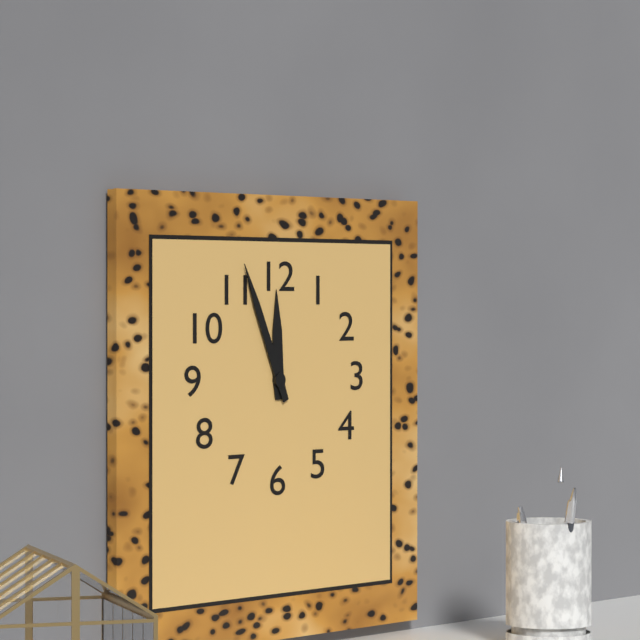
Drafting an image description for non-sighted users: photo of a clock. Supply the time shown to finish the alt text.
11:56
